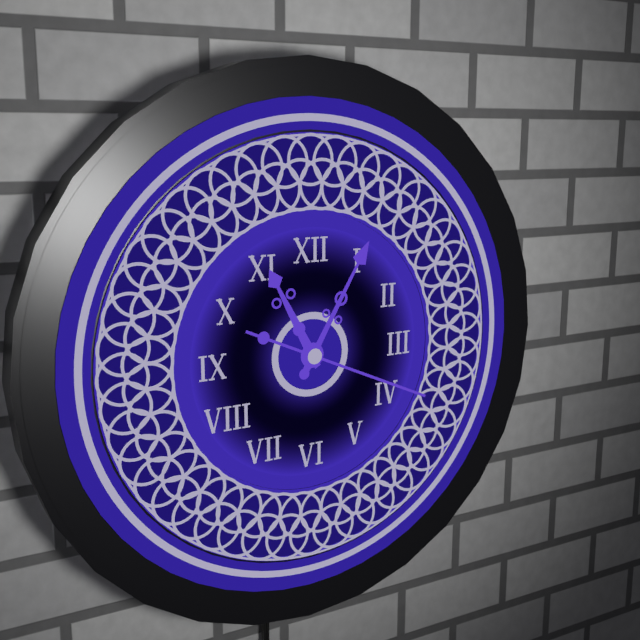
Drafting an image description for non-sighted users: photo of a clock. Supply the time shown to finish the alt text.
11:05:19
